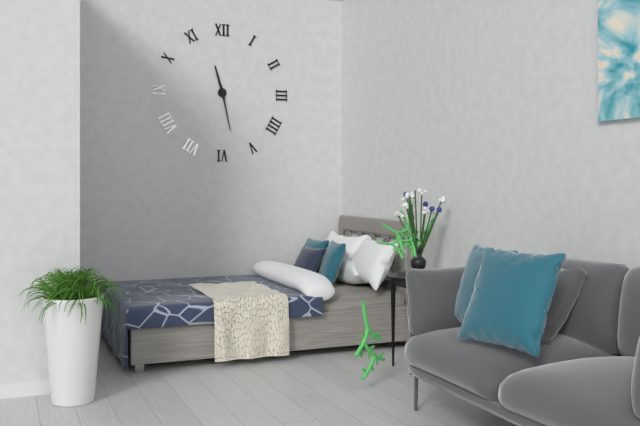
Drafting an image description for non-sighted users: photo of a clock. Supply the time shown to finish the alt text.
11:28
